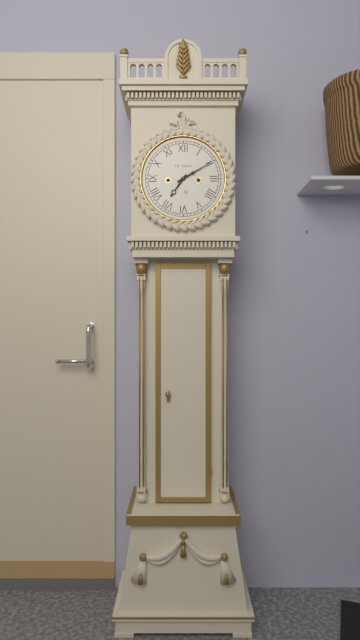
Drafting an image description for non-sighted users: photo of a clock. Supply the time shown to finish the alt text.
7:10
